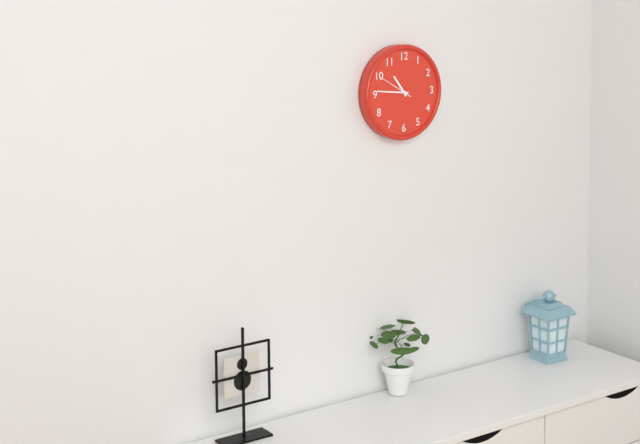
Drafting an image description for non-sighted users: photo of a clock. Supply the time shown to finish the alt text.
10:46
